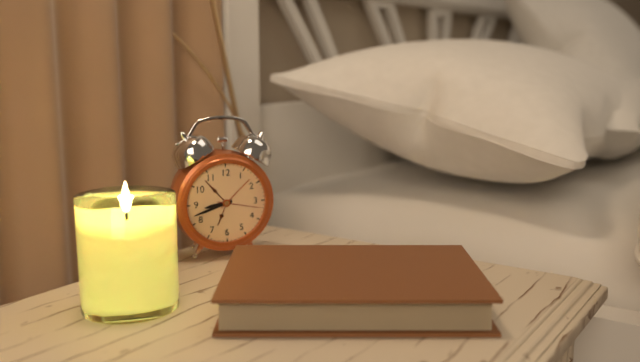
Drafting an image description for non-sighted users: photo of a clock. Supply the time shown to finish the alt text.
8:42
